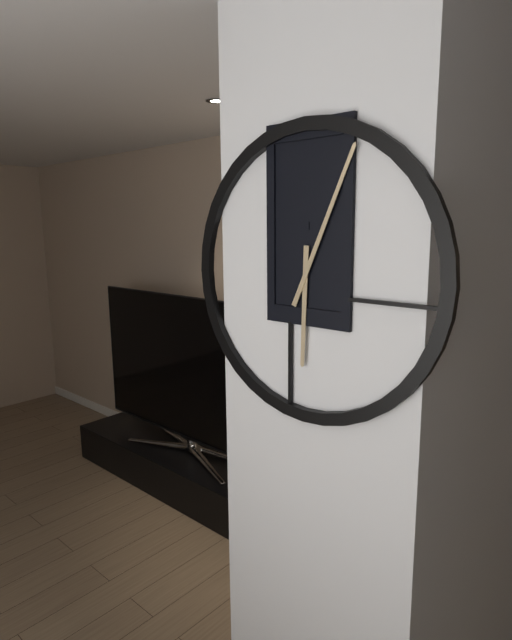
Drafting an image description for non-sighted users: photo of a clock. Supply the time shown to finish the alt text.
6:04
